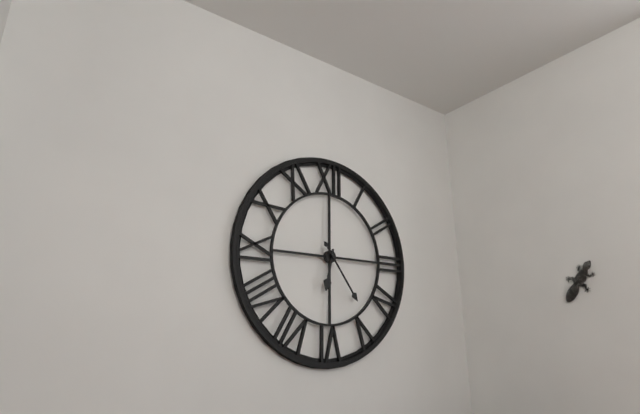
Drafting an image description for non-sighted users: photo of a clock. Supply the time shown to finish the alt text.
6:24
